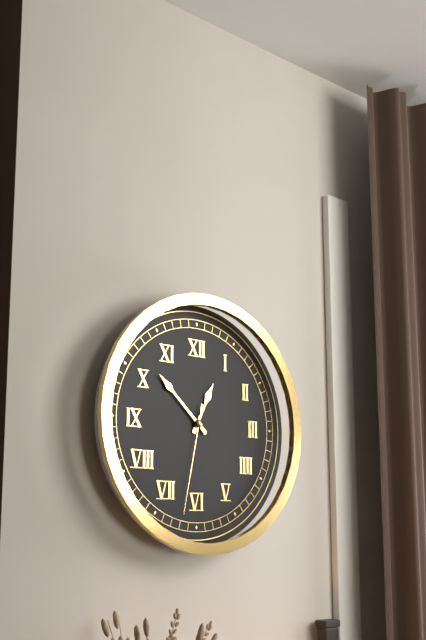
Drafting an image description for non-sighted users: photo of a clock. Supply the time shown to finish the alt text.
12:52:32
